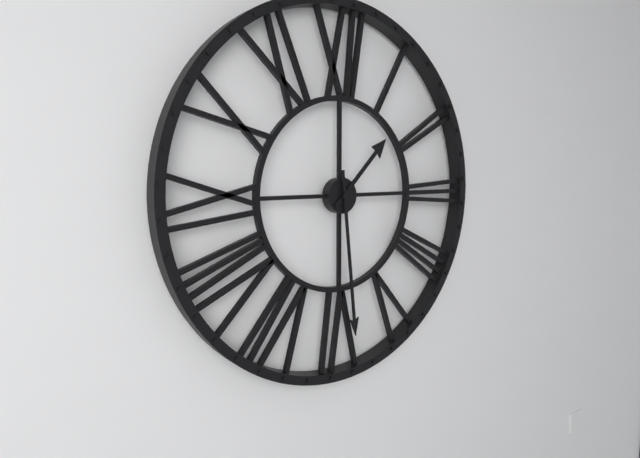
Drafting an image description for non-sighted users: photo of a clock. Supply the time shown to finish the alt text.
1:29
